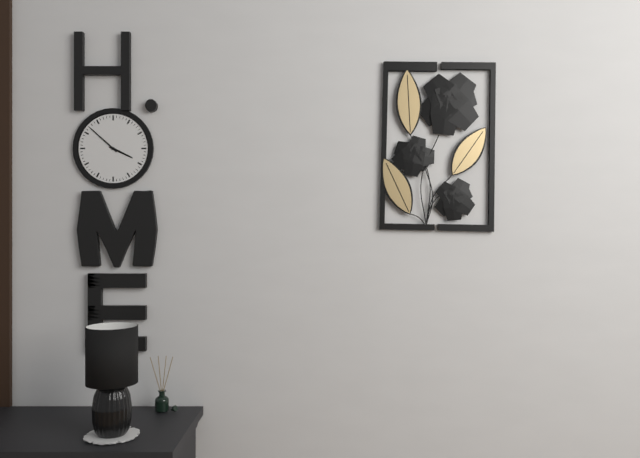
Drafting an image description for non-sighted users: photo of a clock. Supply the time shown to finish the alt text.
3:52
